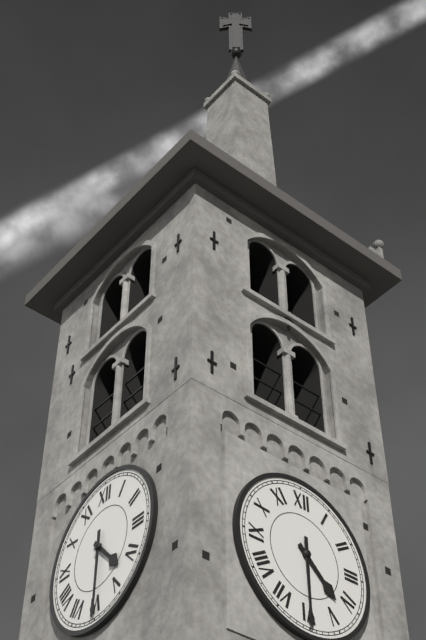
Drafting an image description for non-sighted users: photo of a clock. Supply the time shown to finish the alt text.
4:30
